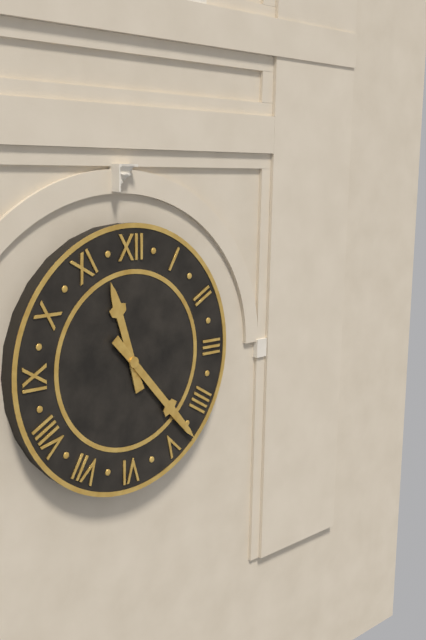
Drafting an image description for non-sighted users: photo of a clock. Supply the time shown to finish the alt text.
11:23
